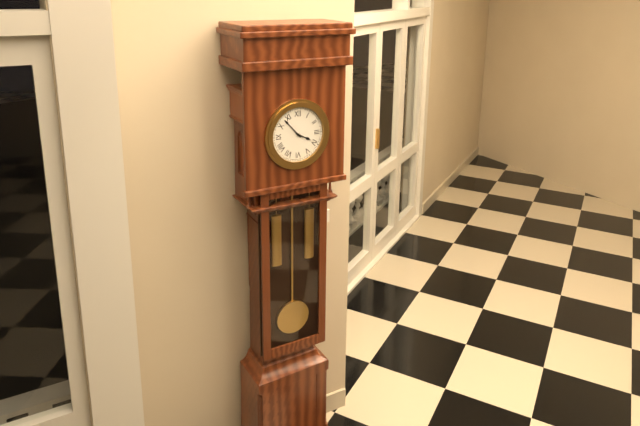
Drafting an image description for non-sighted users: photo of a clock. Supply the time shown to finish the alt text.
3:53
